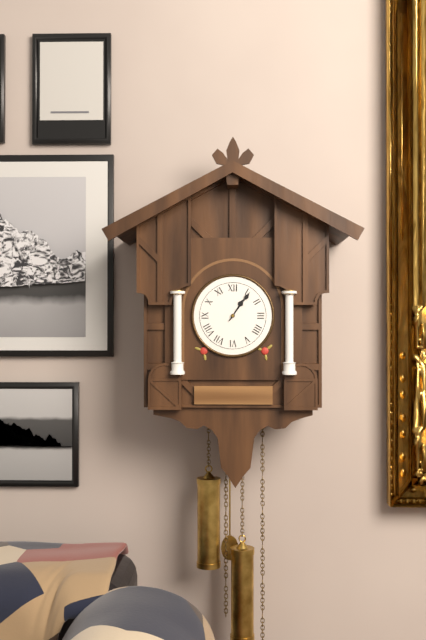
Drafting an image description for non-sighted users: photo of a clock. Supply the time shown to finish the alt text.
1:06
